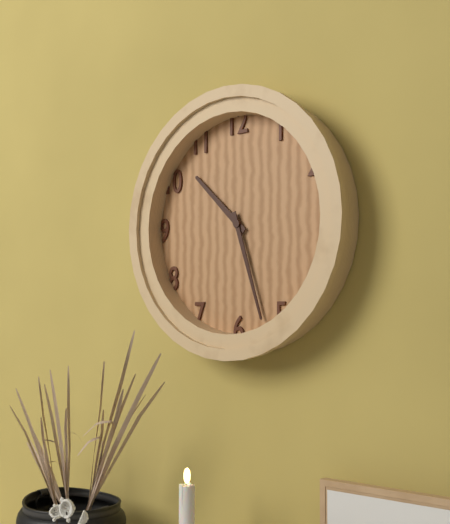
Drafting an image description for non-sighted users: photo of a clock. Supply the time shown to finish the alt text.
10:27
